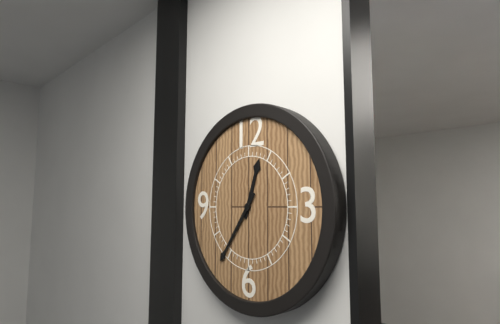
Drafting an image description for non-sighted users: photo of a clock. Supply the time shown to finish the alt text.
12:36
